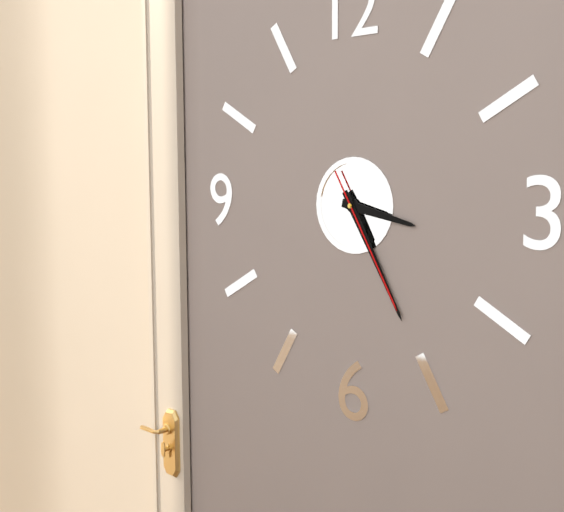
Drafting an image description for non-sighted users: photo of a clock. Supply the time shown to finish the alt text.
3:25:25
